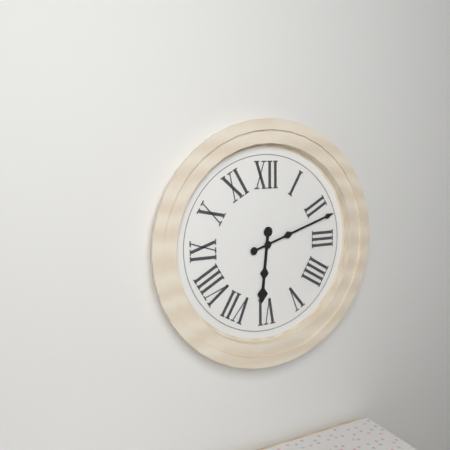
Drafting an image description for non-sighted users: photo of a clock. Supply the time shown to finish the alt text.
6:12
